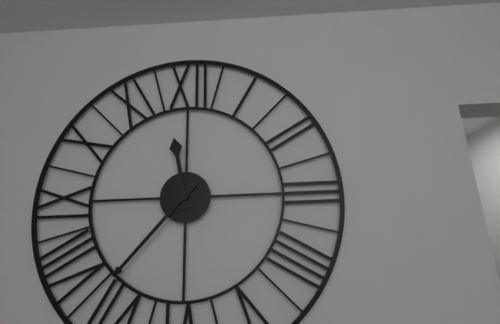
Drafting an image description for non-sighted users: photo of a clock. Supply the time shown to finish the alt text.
11:37
